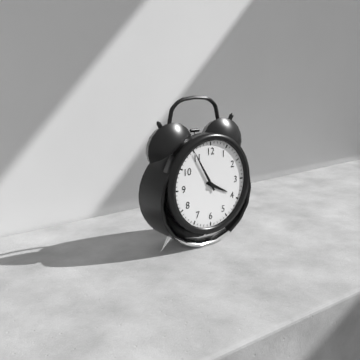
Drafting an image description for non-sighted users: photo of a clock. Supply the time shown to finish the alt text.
3:55
